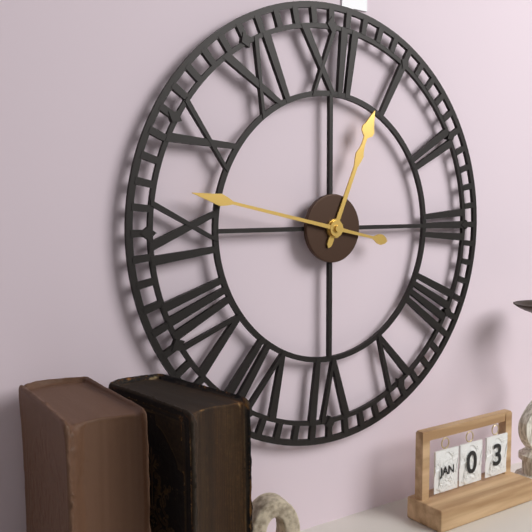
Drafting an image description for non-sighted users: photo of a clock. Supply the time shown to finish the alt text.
12:47
